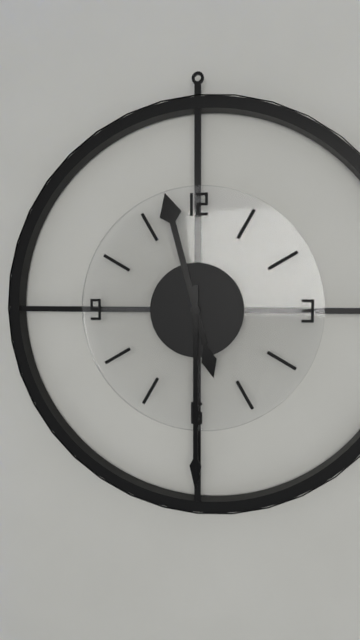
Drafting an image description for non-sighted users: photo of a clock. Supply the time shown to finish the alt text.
11:30
